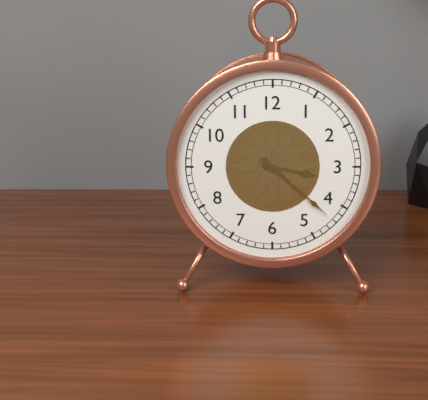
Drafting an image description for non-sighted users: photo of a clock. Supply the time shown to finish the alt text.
3:22
